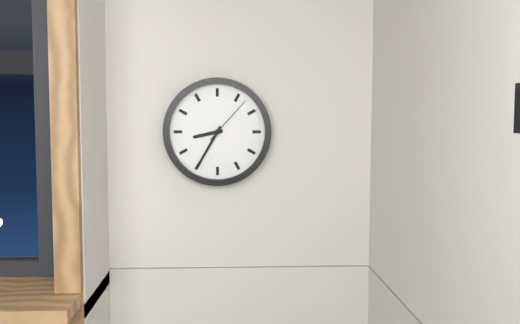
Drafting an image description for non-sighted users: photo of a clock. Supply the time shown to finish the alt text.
8:35:07
